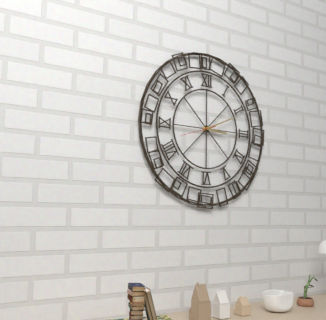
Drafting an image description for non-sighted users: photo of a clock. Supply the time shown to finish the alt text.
3:11
